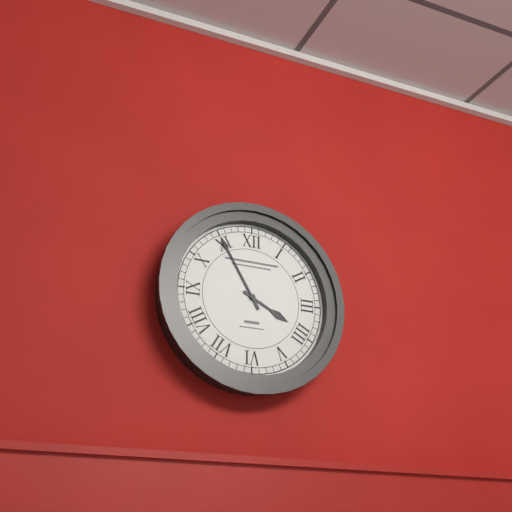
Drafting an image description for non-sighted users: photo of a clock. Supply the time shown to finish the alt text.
3:55
